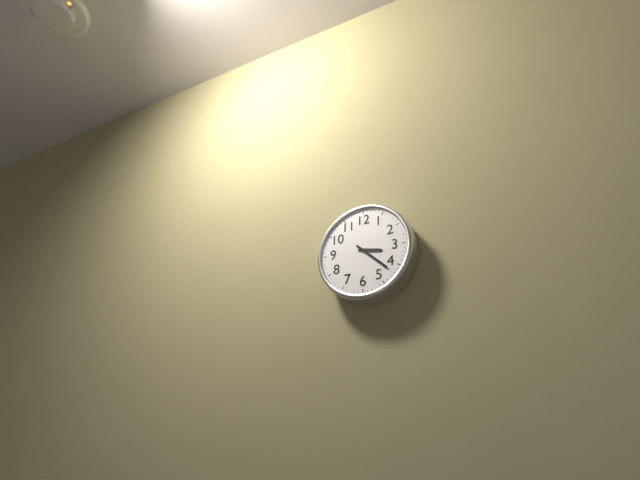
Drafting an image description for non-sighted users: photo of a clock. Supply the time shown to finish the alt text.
3:22
